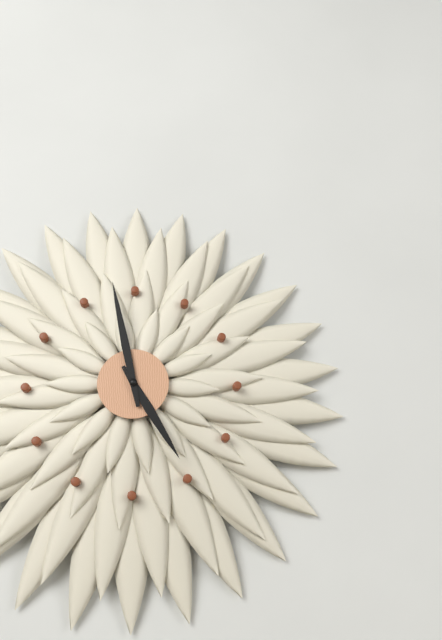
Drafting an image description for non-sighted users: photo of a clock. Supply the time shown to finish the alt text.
4:58
